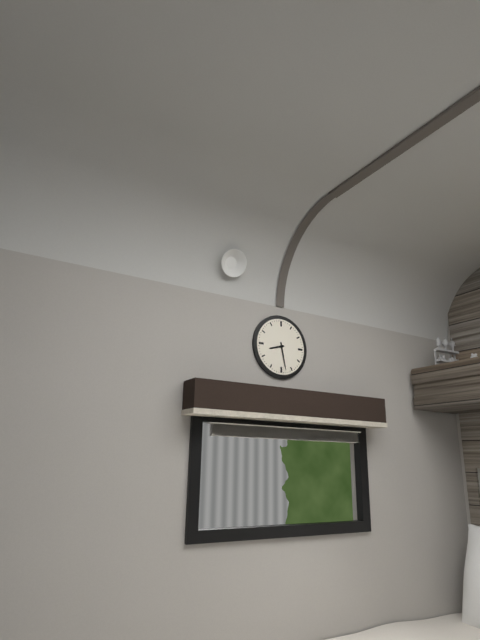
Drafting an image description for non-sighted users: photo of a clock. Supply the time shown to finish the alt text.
8:28
